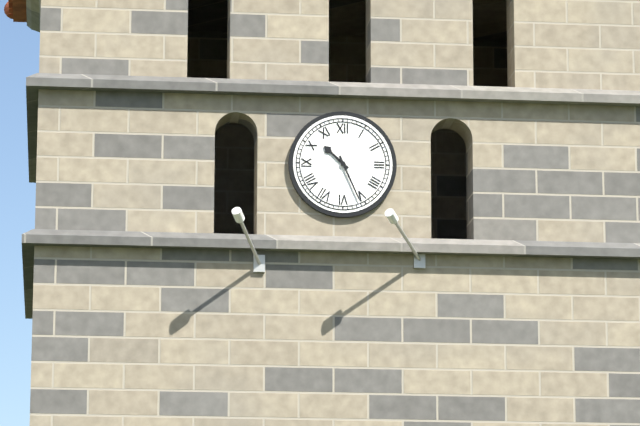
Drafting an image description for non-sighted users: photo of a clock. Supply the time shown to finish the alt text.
10:26
